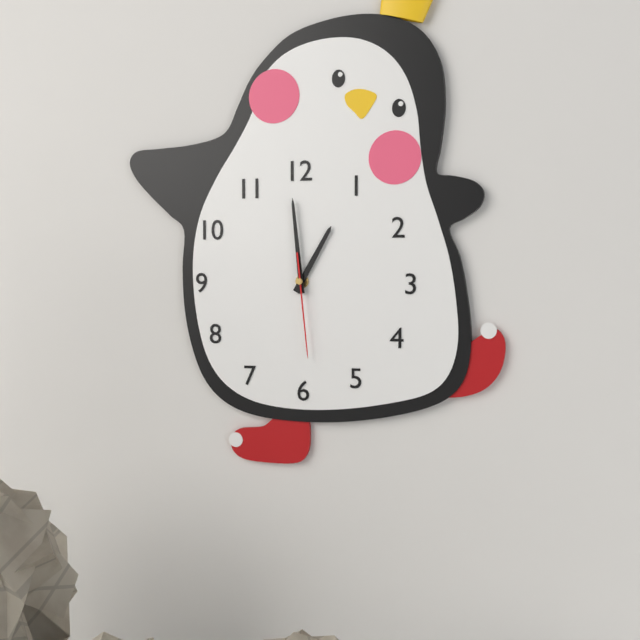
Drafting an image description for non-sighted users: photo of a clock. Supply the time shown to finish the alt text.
12:59:29
